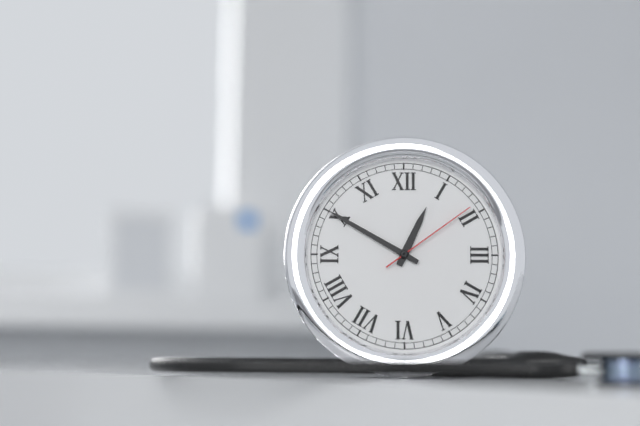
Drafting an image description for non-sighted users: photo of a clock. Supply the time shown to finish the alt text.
12:50:09
